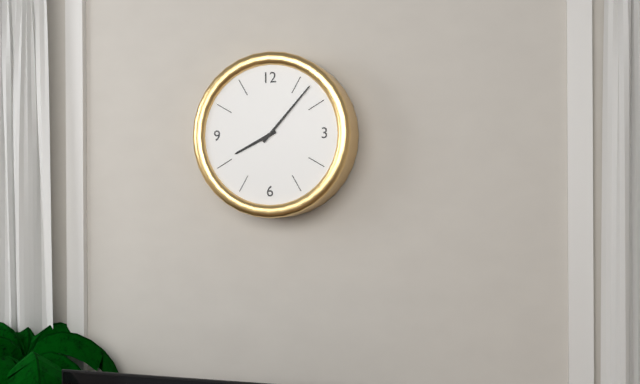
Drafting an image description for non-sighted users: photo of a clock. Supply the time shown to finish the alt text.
8:07
